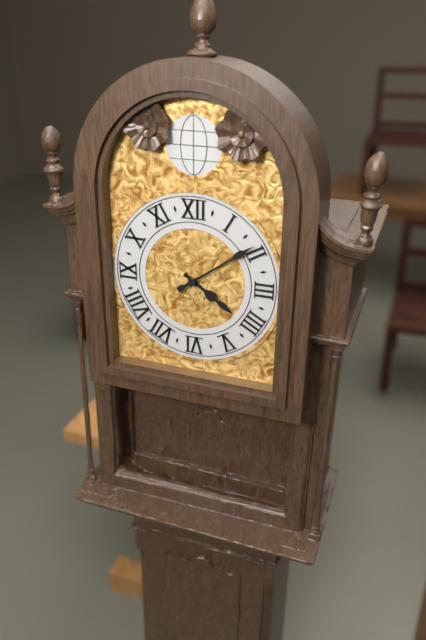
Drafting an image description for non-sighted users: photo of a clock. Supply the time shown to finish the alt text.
4:09
